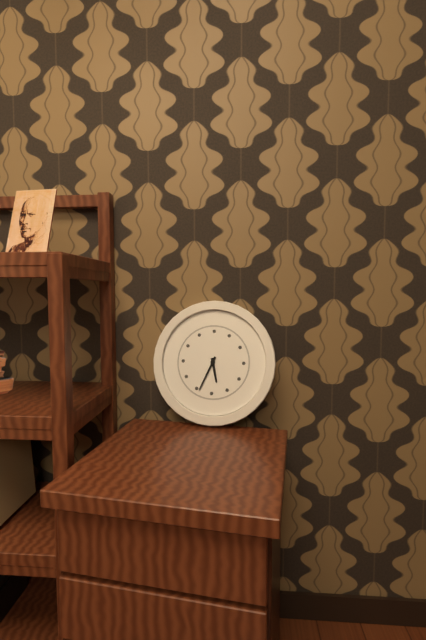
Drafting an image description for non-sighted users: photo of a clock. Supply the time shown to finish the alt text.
5:34
